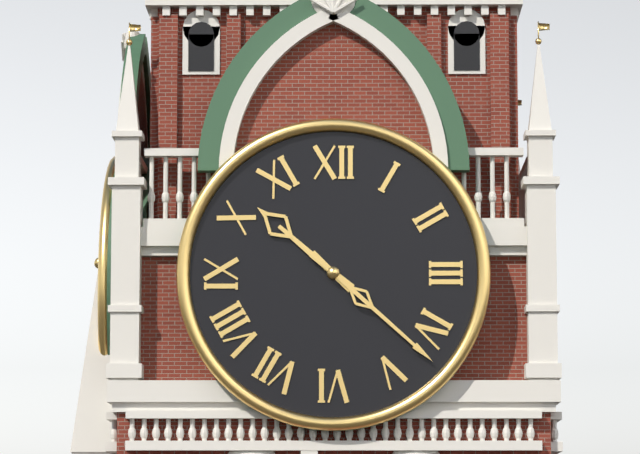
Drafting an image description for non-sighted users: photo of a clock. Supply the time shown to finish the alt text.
10:22
